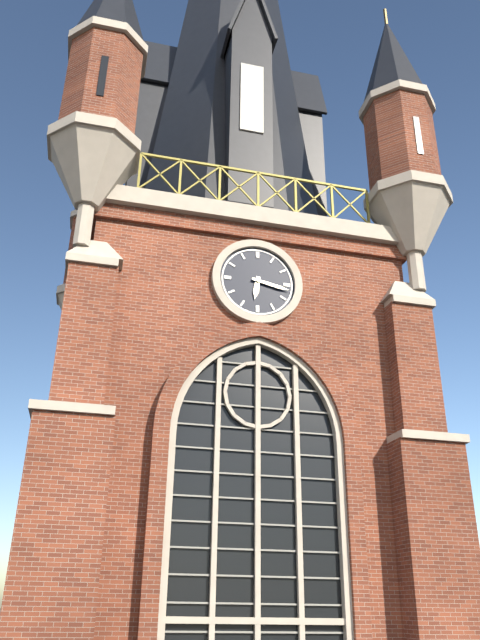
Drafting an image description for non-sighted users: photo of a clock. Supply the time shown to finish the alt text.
6:17
